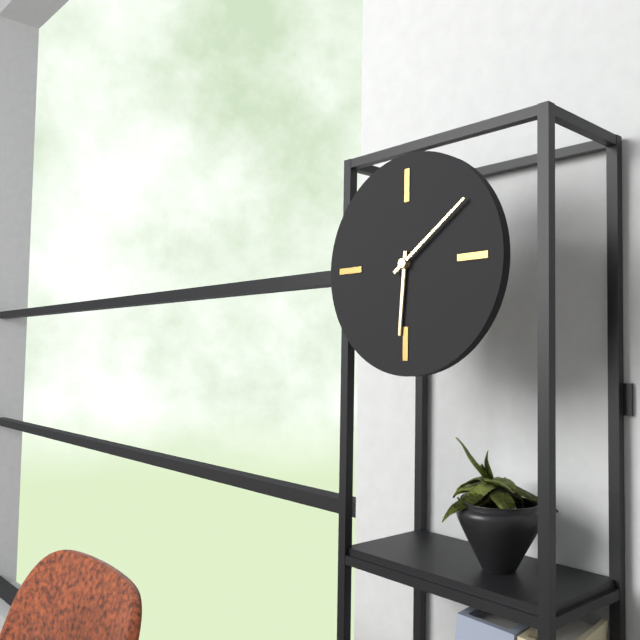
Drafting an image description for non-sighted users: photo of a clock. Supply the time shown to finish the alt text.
6:09
